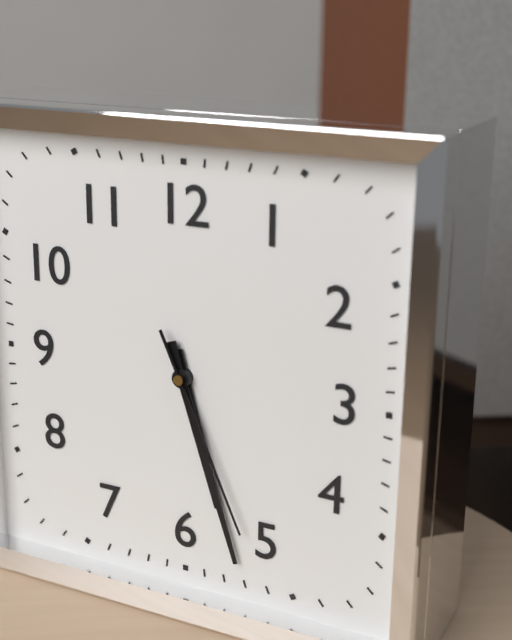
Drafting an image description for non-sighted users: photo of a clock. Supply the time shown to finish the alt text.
5:27:26
